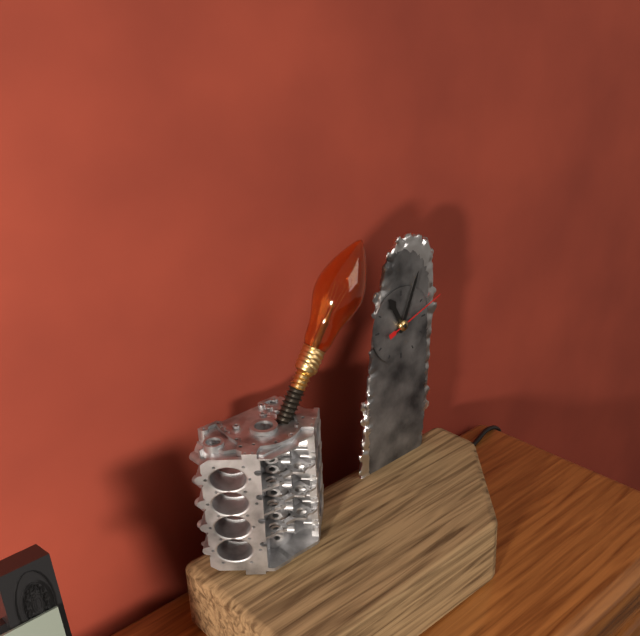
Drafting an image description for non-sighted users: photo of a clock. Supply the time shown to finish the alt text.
11:04:12
